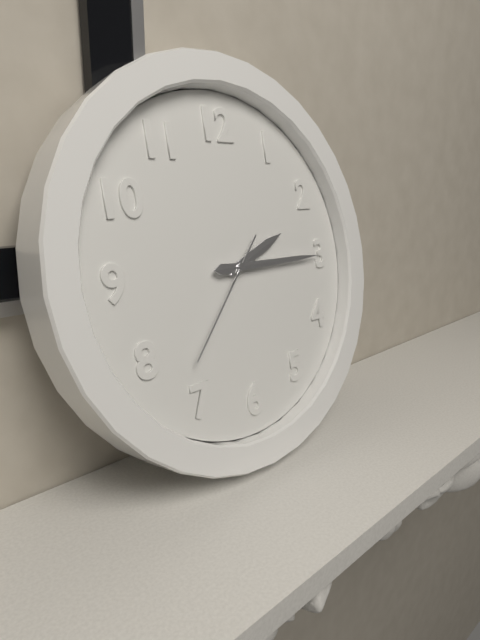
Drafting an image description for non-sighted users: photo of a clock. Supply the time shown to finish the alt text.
2:15:37
